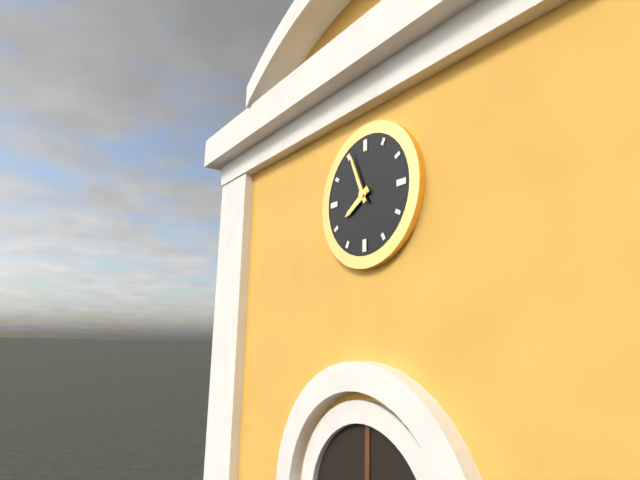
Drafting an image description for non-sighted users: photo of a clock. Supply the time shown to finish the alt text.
7:56
